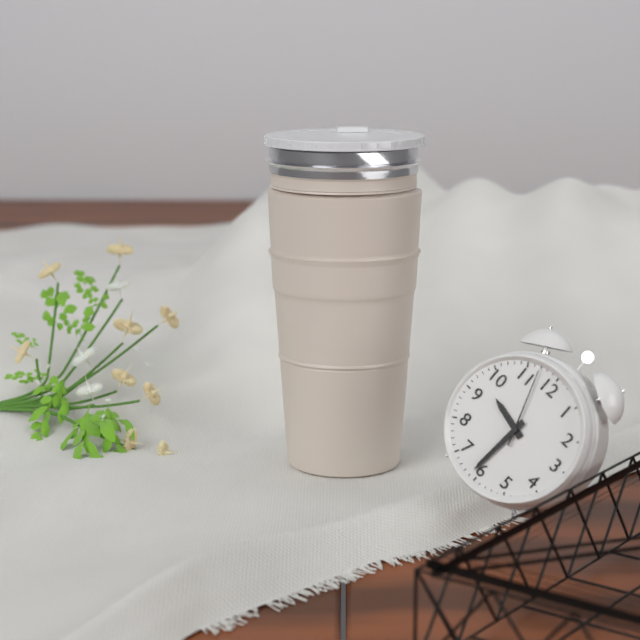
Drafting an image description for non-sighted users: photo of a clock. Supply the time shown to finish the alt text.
9:31:57
